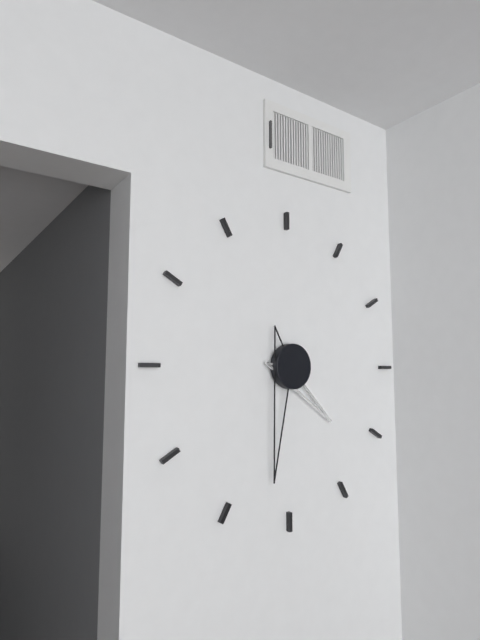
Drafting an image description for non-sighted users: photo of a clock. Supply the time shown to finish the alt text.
4:32
